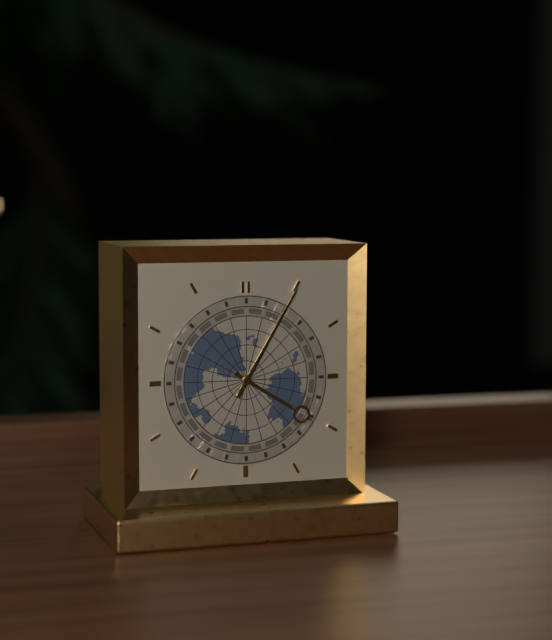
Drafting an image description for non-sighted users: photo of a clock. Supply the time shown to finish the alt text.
4:05
